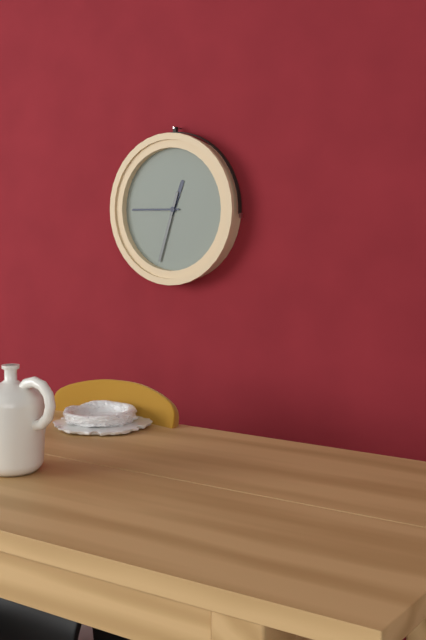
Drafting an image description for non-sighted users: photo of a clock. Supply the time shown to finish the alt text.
12:45:33
